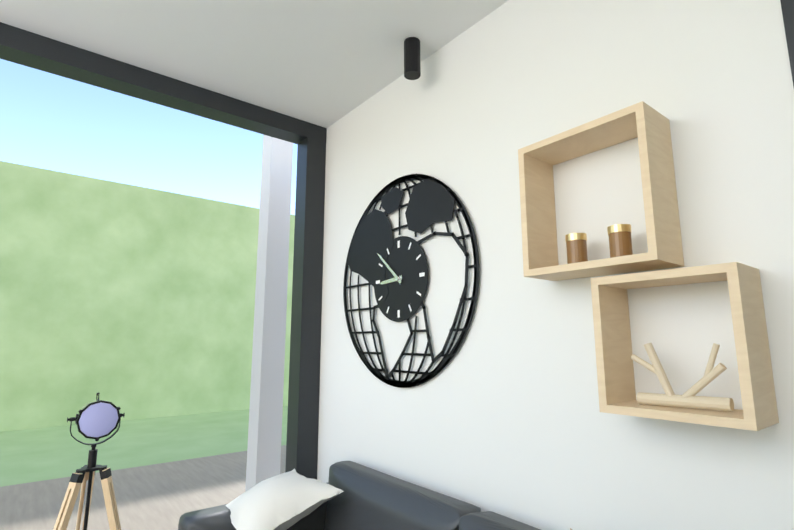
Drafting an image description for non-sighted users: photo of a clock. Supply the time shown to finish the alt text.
8:52
